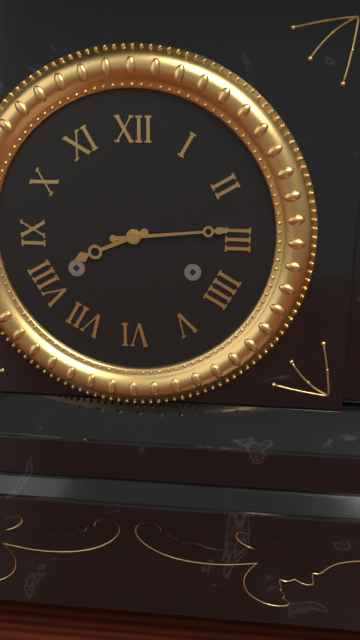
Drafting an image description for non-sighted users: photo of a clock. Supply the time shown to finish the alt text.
8:14
